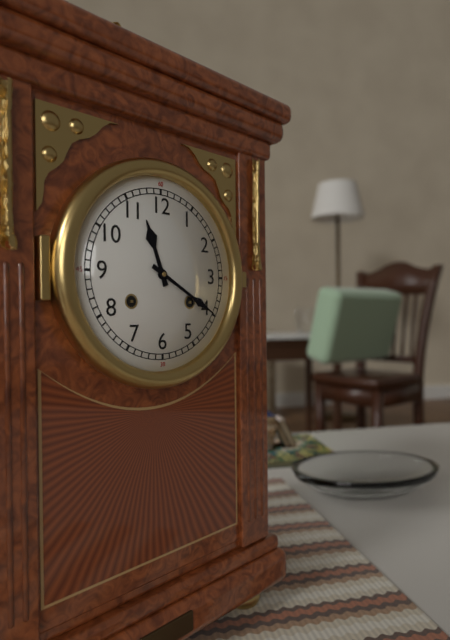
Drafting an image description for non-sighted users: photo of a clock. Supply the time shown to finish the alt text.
11:20
